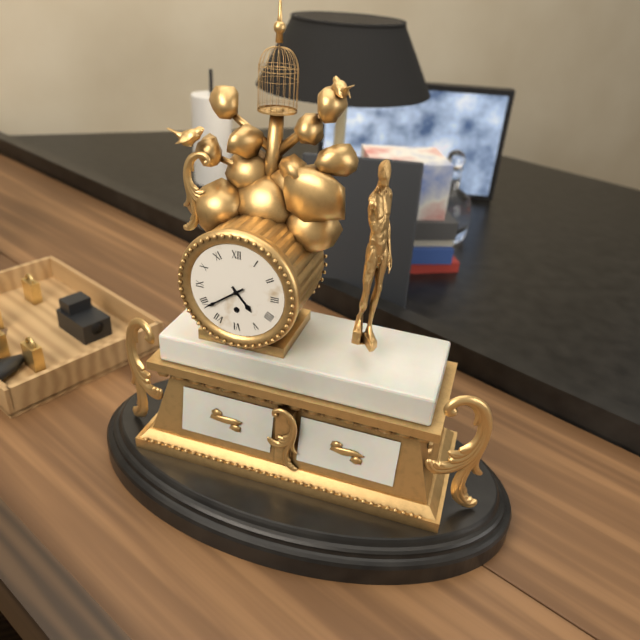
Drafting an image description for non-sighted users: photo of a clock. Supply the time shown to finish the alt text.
4:39
